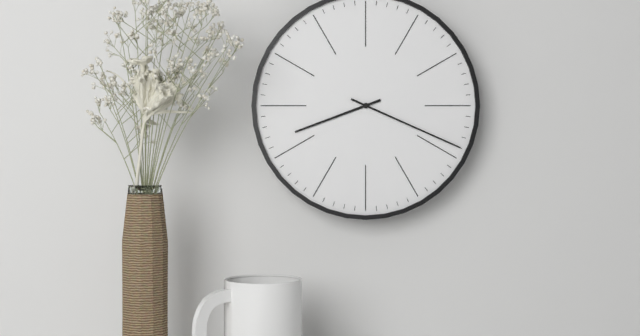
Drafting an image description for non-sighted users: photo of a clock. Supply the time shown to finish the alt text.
8:19
